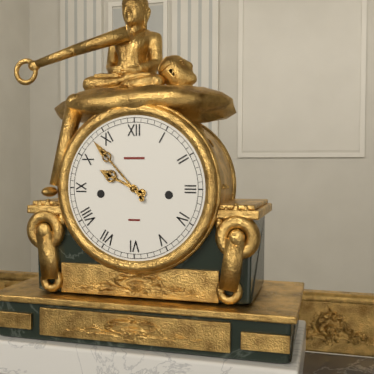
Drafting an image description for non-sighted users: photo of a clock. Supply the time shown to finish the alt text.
9:53
